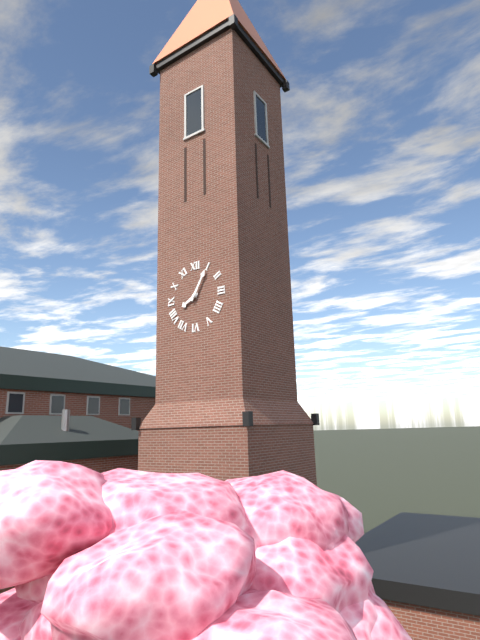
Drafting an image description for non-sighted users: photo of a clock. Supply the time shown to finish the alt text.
8:05
